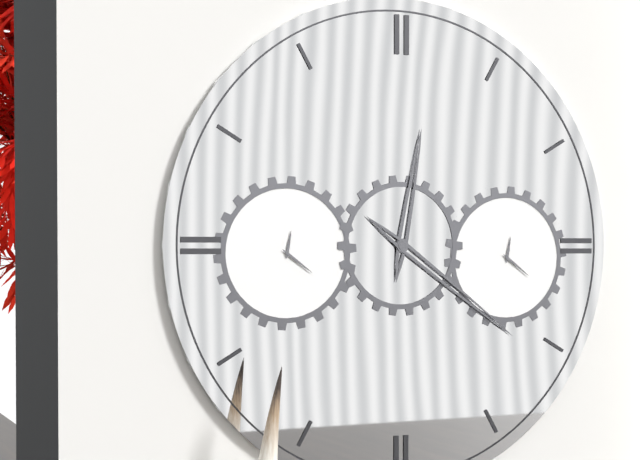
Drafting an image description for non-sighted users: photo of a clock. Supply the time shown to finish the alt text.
12:21
